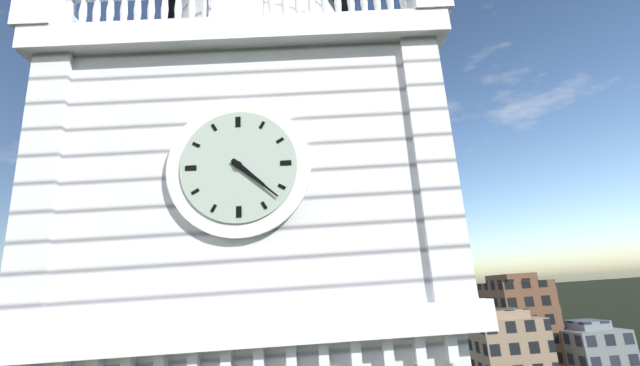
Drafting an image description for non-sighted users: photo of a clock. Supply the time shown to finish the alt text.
4:22
